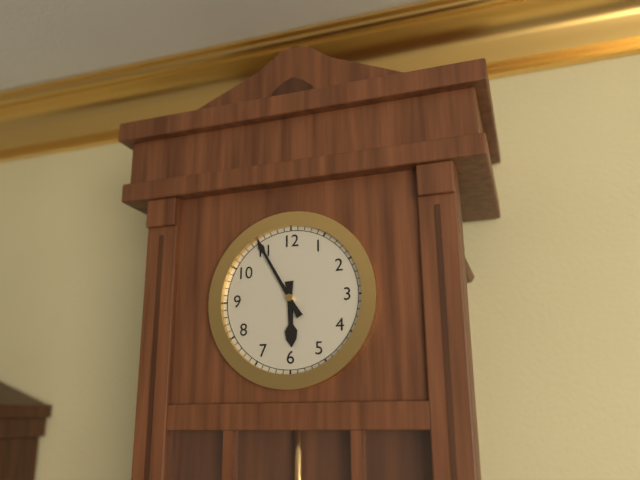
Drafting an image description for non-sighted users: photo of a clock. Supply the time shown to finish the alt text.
5:55
